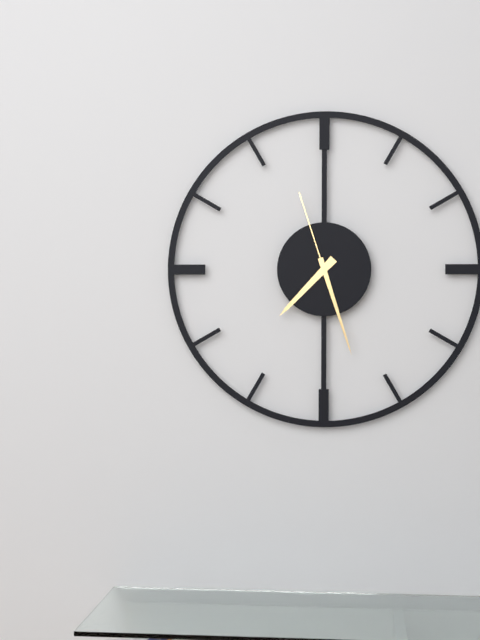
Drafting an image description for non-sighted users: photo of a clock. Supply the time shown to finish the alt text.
7:27:57
